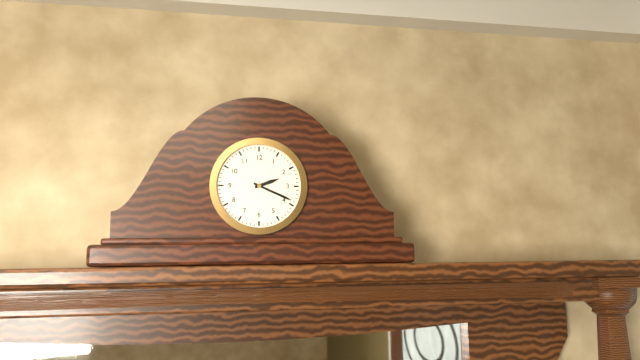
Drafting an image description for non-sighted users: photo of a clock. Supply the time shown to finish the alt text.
2:19
